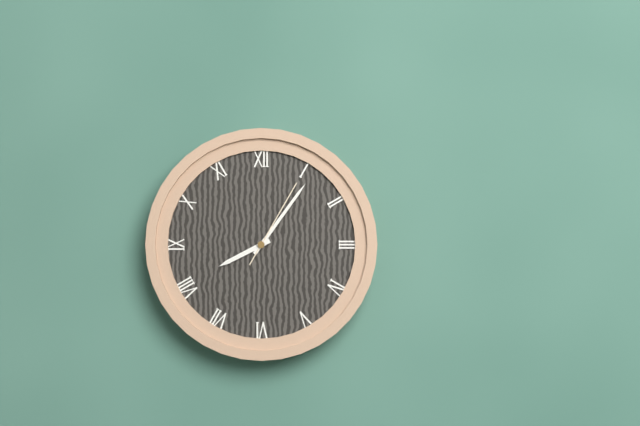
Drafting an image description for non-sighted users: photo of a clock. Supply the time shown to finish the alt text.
8:06:05
